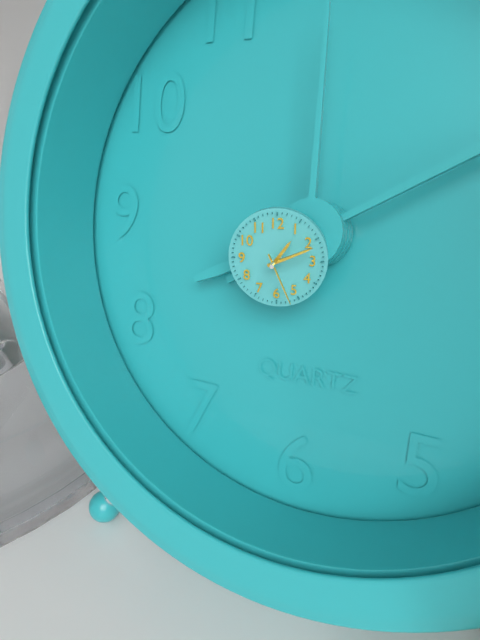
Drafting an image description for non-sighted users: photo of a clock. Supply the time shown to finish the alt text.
1:11:26
